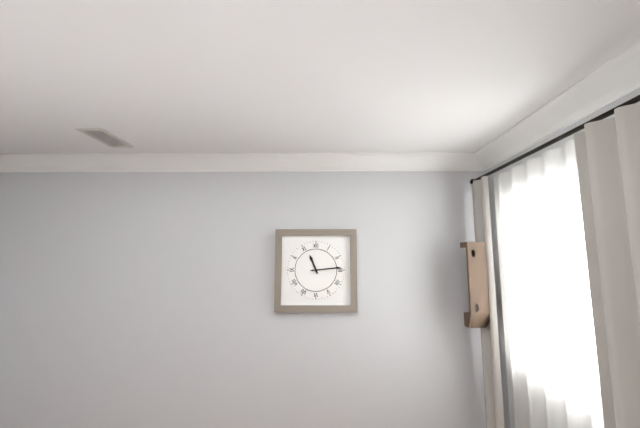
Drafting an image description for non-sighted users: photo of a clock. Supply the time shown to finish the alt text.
11:14
